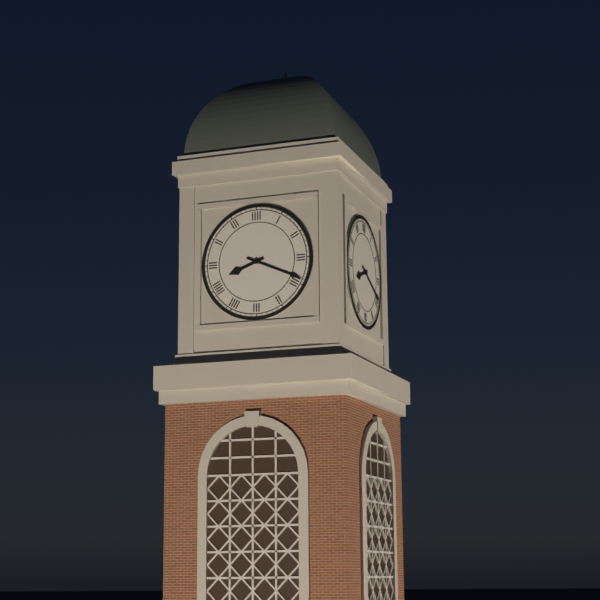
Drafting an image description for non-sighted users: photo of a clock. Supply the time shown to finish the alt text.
8:19
